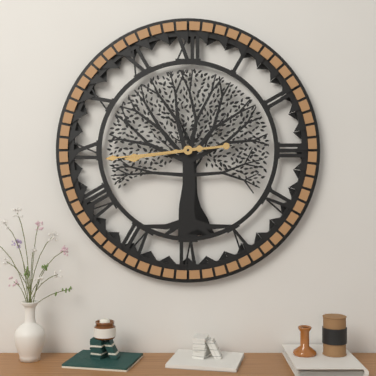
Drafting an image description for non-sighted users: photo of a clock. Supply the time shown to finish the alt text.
8:44
